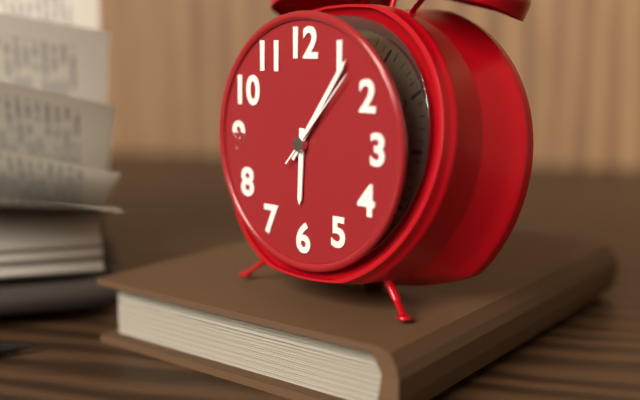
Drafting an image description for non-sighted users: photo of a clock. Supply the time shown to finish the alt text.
6:06:07
